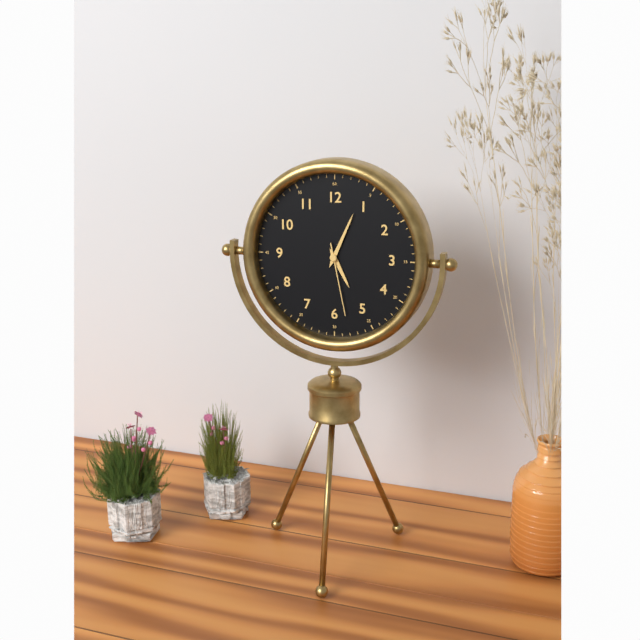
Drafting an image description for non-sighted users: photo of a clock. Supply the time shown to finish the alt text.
5:04:28
